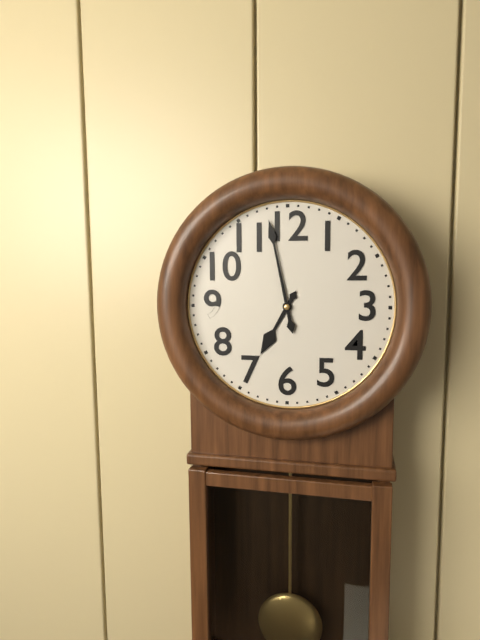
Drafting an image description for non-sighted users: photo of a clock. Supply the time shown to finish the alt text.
6:58
